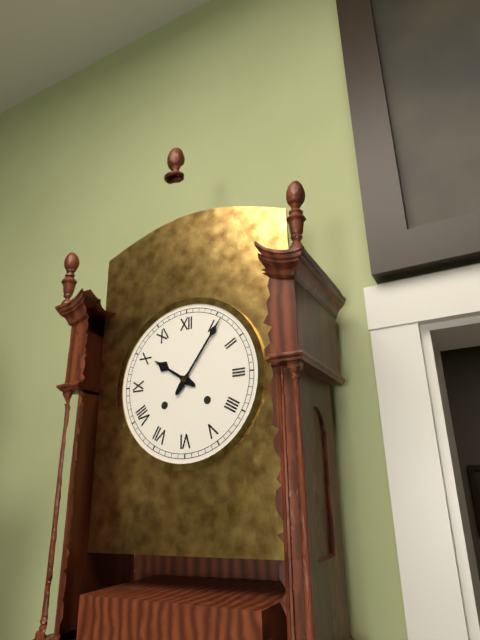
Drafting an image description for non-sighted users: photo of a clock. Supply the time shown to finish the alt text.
10:06
